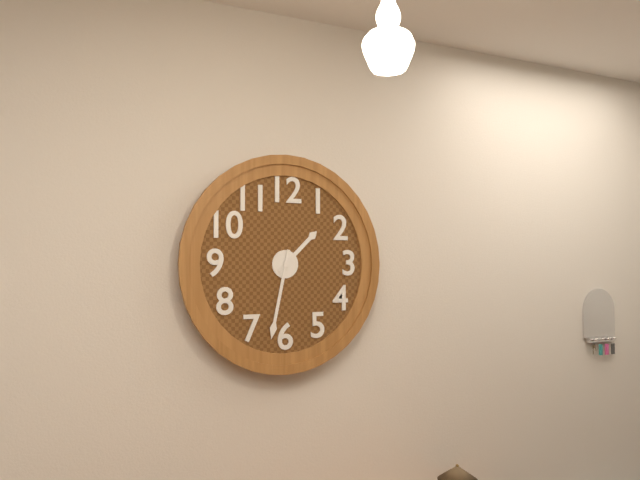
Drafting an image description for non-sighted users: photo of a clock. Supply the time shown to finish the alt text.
1:32
